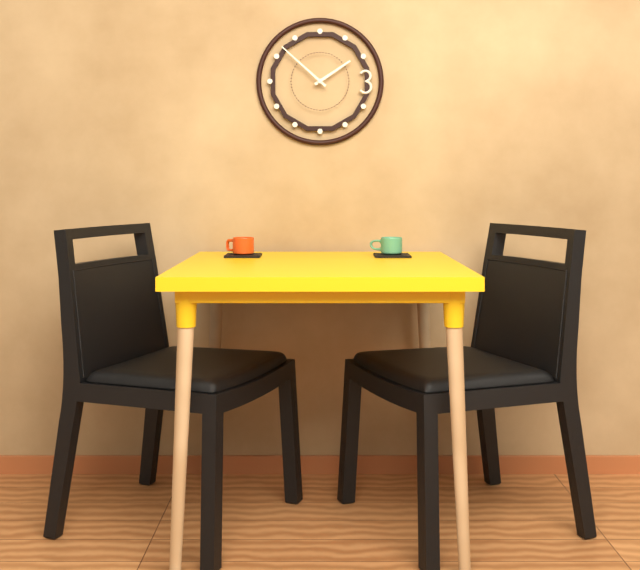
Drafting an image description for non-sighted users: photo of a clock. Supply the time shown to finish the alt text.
1:52
